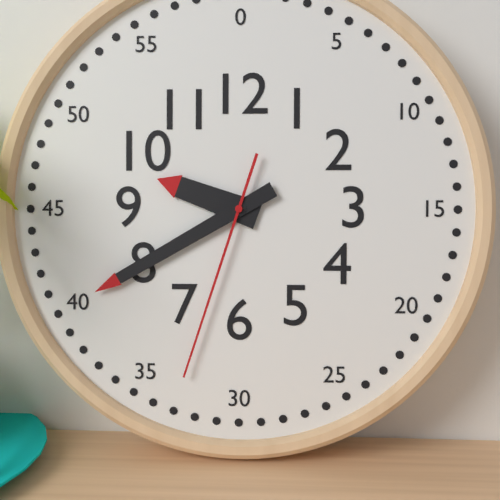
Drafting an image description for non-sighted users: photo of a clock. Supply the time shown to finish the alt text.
9:40:33
